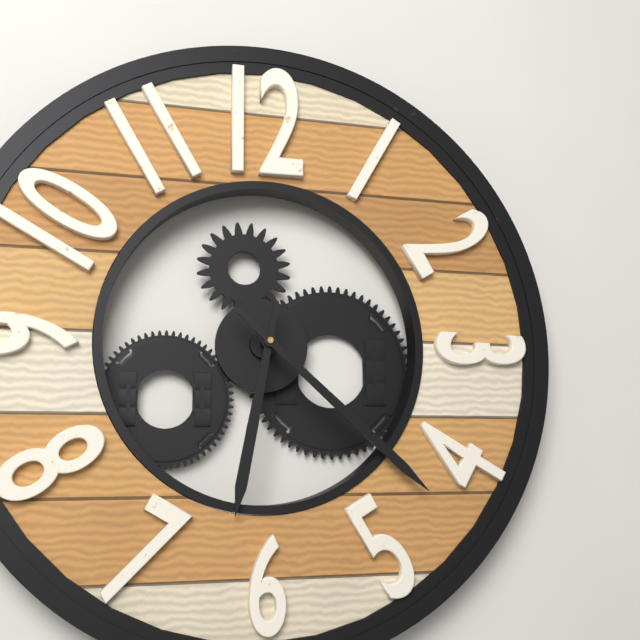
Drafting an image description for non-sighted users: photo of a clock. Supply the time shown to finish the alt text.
6:22
